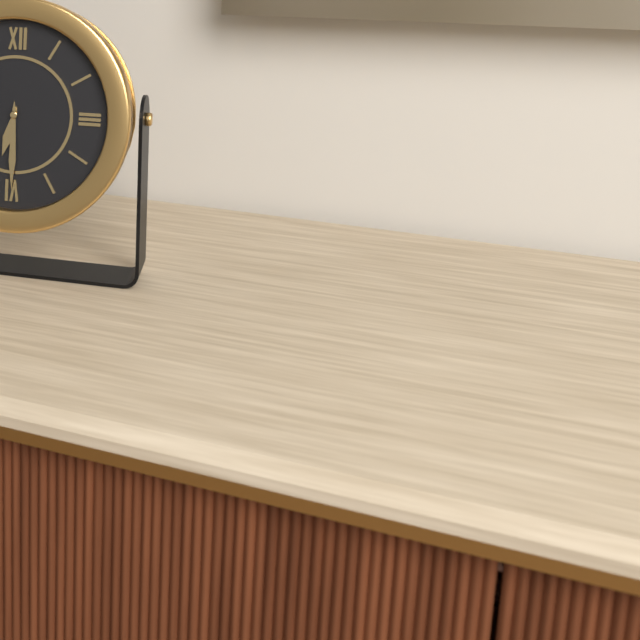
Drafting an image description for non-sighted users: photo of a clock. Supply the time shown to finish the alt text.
6:30
